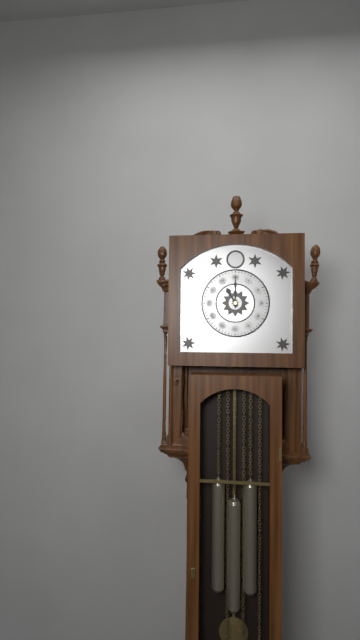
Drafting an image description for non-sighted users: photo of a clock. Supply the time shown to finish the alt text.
11:00
